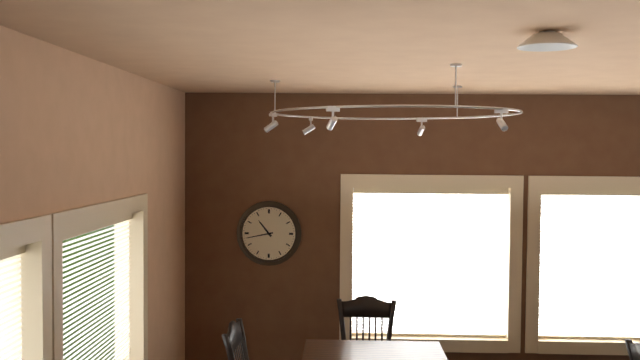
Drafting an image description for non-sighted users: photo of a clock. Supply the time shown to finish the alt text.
10:43
